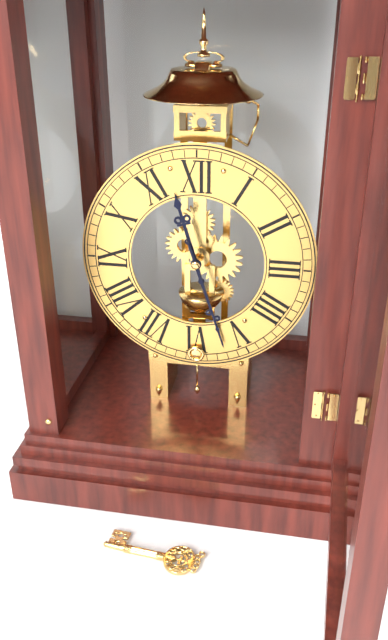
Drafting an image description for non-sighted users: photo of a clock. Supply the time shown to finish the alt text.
11:27
